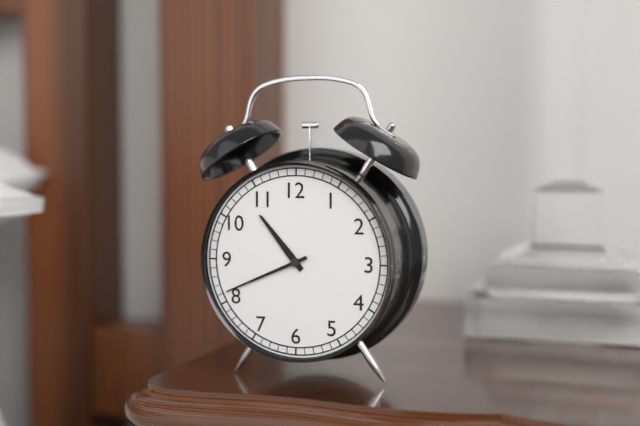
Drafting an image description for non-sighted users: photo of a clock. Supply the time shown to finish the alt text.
10:41
